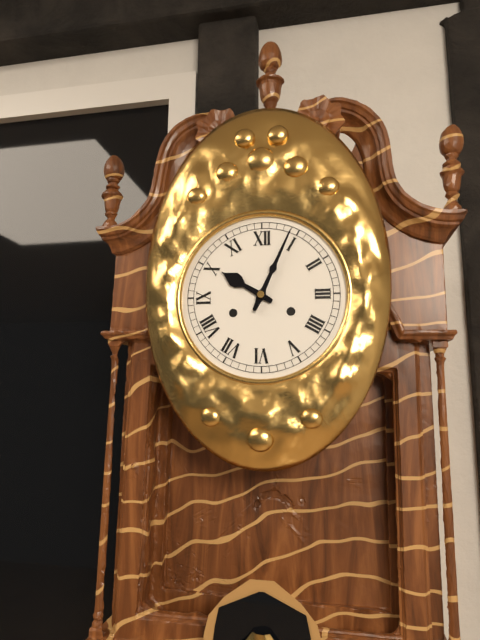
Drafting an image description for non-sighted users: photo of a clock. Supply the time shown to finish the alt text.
10:04
